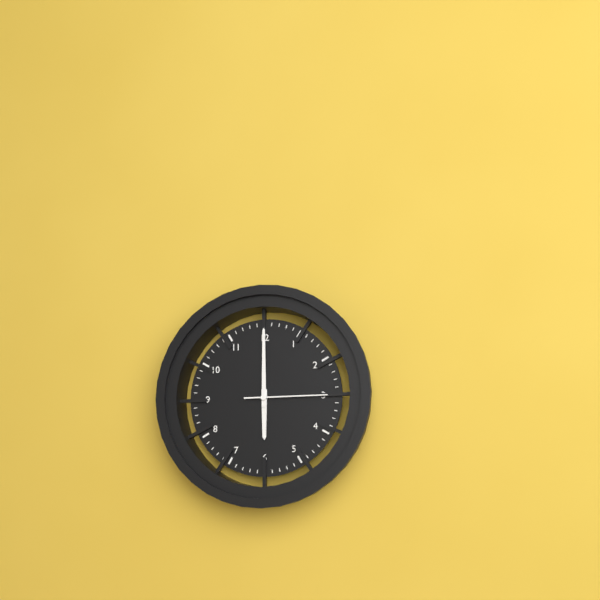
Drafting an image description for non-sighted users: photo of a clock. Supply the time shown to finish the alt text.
6:00:15
